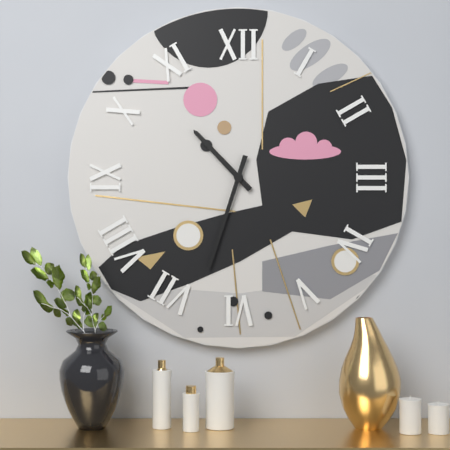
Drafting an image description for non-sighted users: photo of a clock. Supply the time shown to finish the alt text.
10:33
